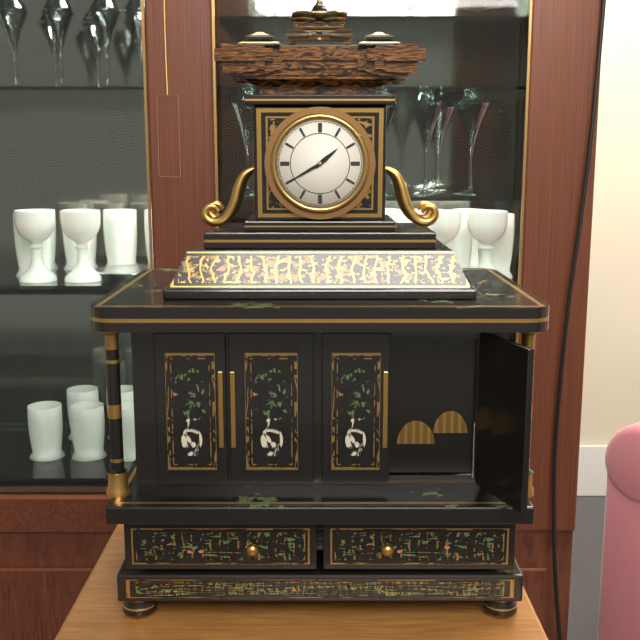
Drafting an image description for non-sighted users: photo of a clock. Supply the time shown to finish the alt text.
1:40
